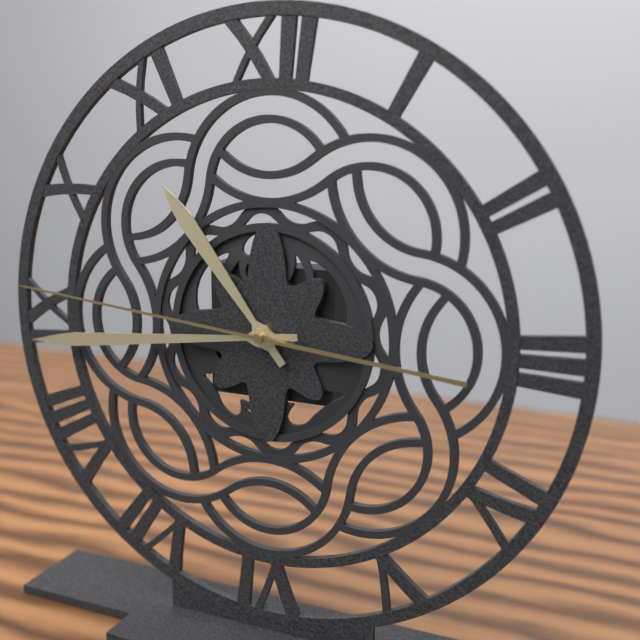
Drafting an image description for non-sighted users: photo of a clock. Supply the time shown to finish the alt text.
10:44:46
